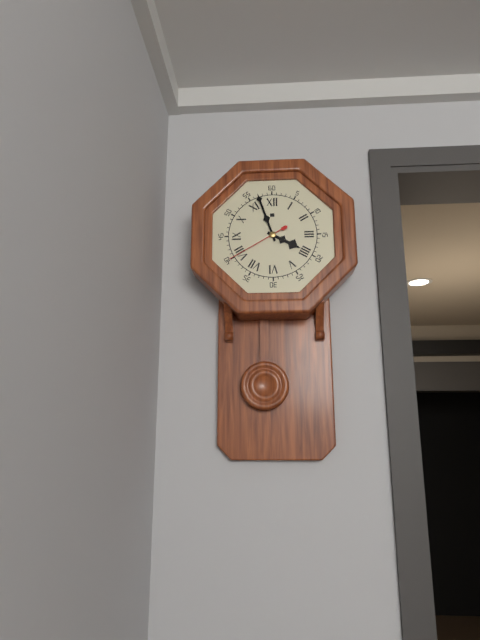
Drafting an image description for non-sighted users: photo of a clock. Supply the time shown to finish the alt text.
3:57:40
